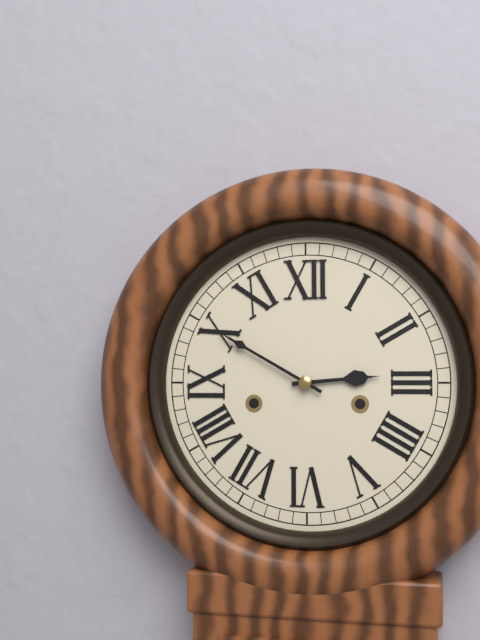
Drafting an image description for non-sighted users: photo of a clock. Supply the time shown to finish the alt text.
2:50
